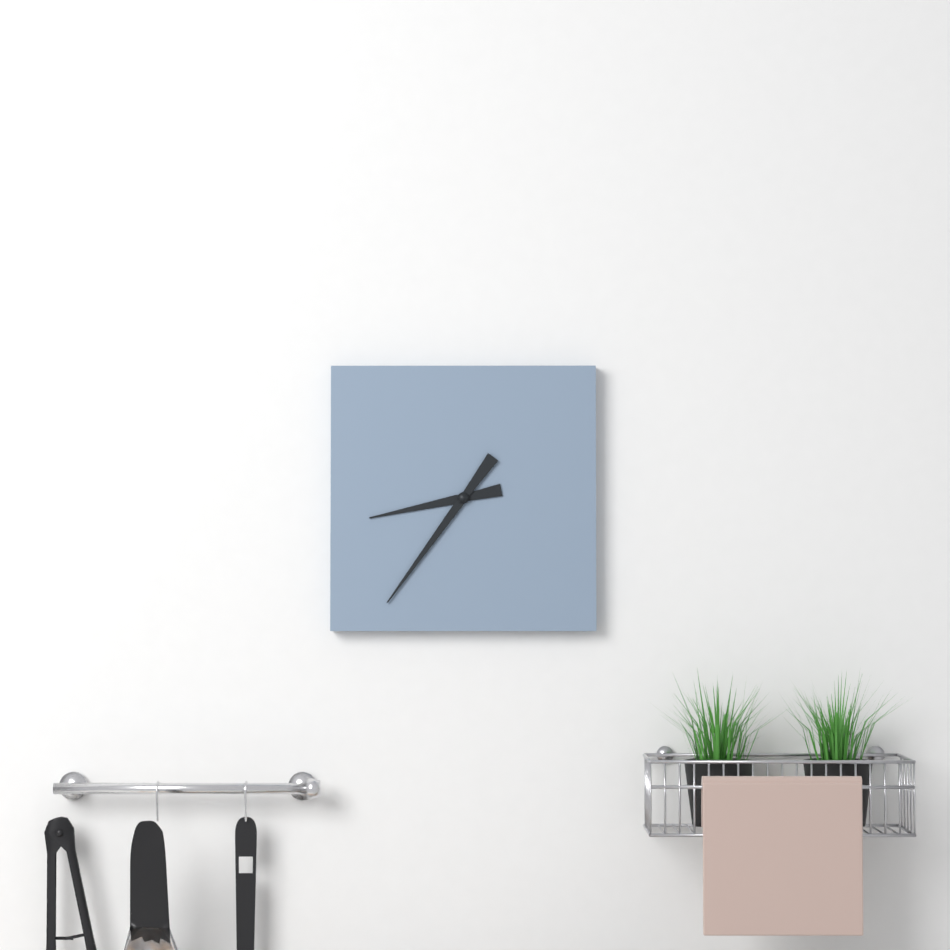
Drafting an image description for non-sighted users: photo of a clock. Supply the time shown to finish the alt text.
8:36
